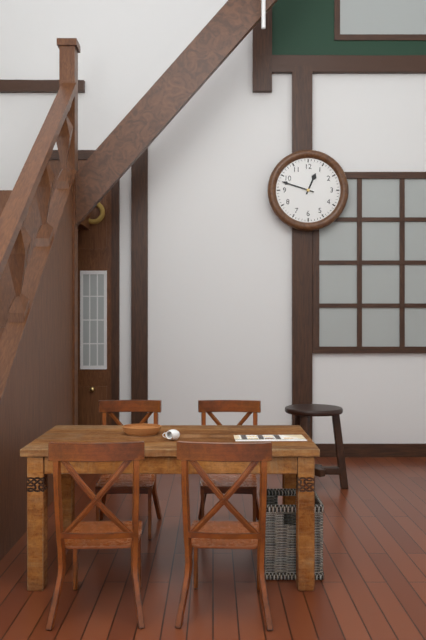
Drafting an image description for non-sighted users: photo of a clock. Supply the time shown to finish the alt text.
12:48
